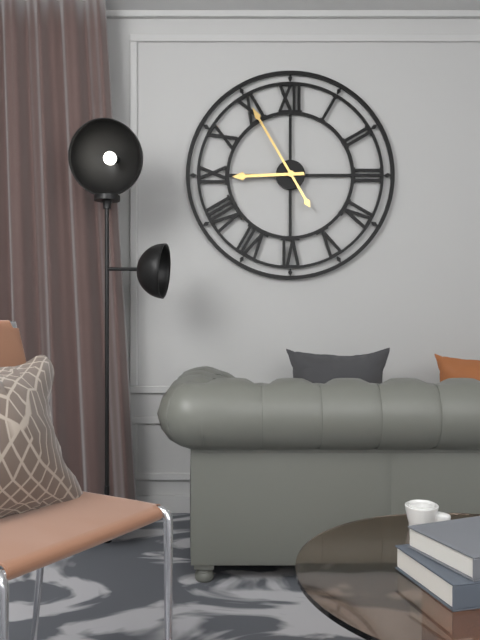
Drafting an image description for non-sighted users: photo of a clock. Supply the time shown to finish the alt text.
8:55
